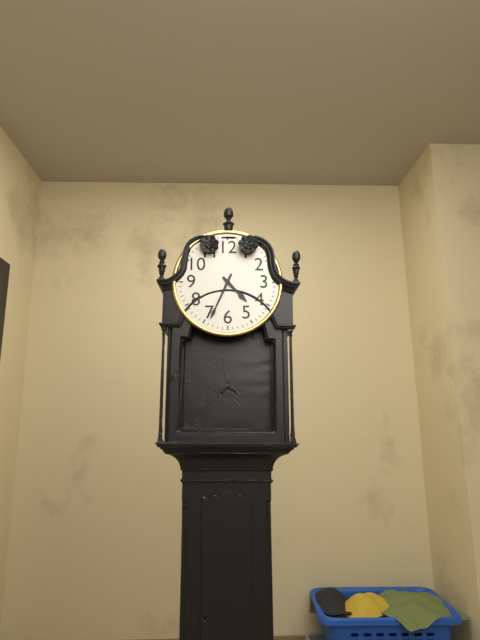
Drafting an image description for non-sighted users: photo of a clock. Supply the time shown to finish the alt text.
4:34
